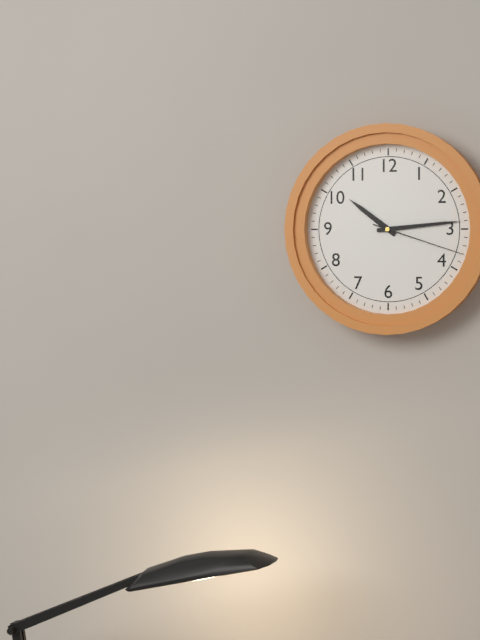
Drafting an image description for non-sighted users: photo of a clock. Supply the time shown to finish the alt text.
10:14:18
